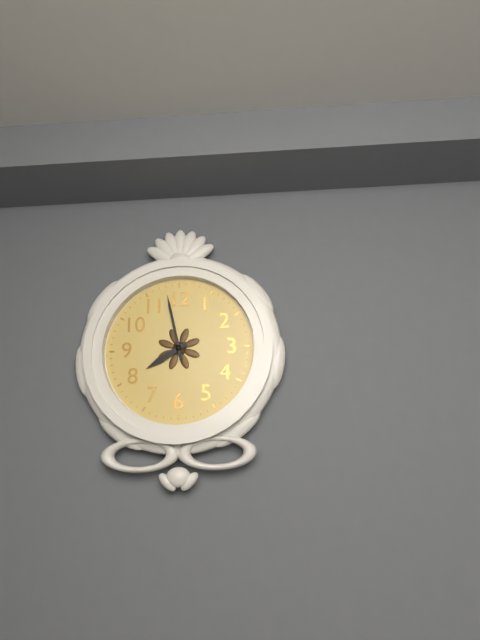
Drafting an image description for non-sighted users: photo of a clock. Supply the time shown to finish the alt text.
7:58
